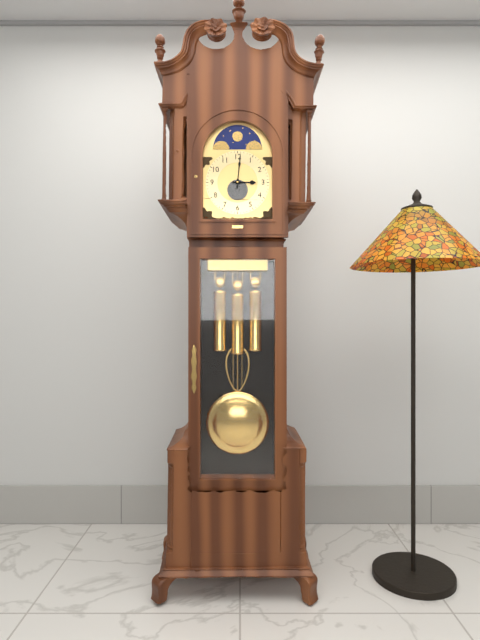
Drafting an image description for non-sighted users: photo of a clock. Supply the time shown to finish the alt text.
3:01
